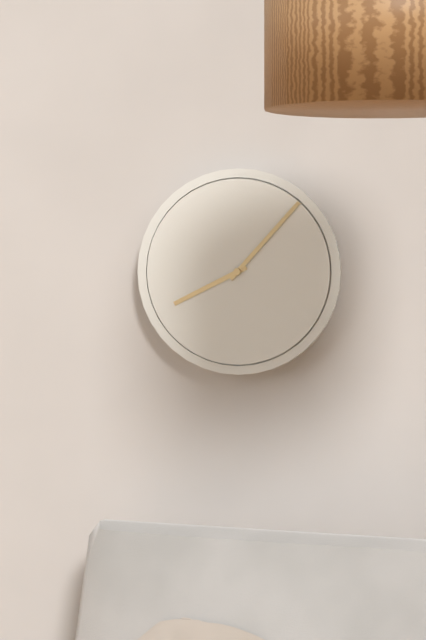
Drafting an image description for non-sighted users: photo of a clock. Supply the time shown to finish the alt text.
8:07
